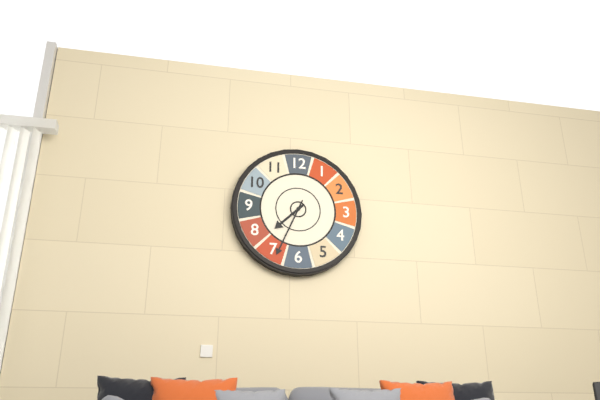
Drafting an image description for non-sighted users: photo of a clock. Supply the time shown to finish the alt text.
7:34
